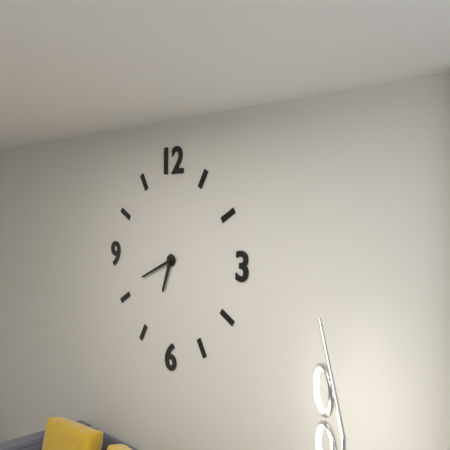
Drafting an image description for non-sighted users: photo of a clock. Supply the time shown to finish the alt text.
6:41
